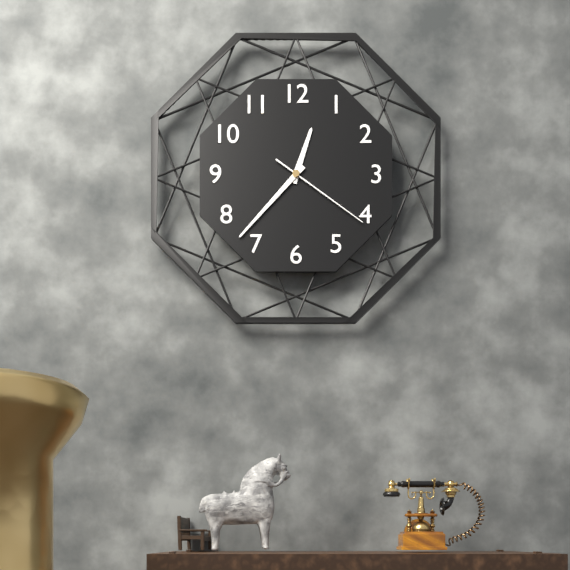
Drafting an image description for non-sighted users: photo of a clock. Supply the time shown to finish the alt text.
12:37:21
